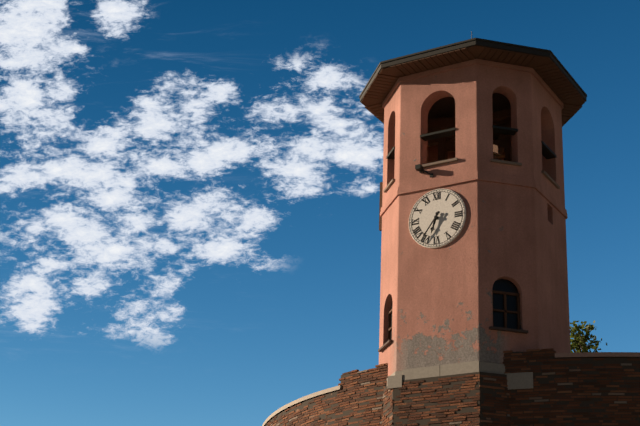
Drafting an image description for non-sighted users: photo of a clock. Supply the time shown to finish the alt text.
6:36
